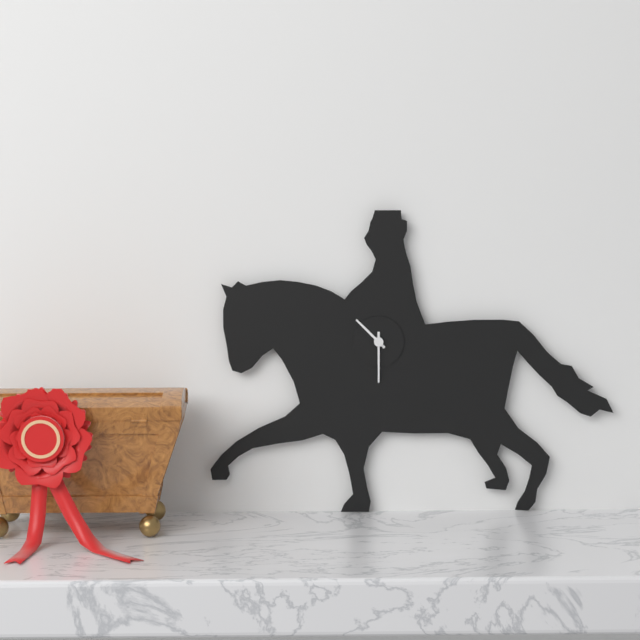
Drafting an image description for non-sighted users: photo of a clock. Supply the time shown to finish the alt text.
10:30
